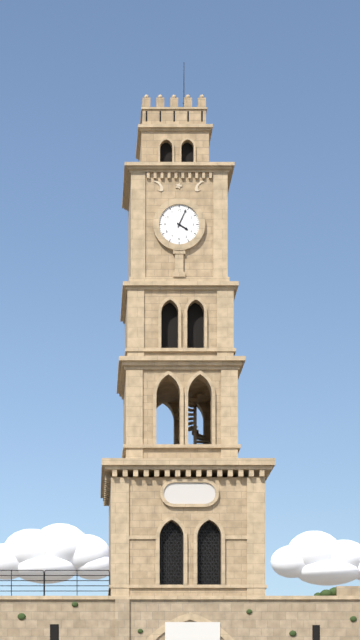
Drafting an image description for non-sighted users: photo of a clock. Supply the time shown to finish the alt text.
4:04
